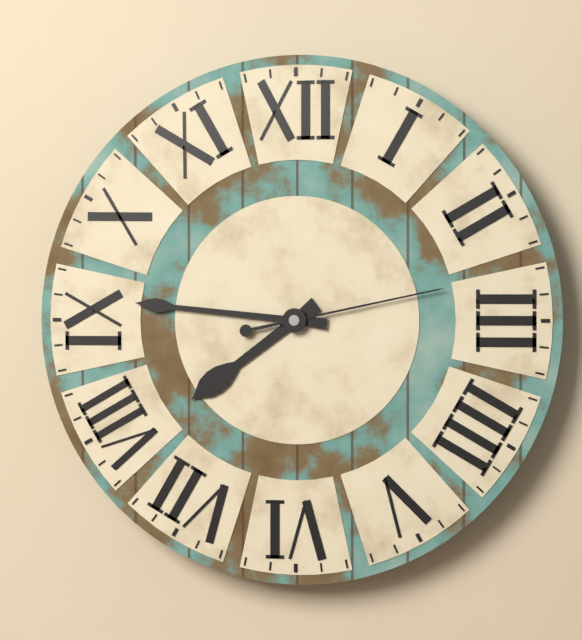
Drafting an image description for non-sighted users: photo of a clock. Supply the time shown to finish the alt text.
7:46:13
